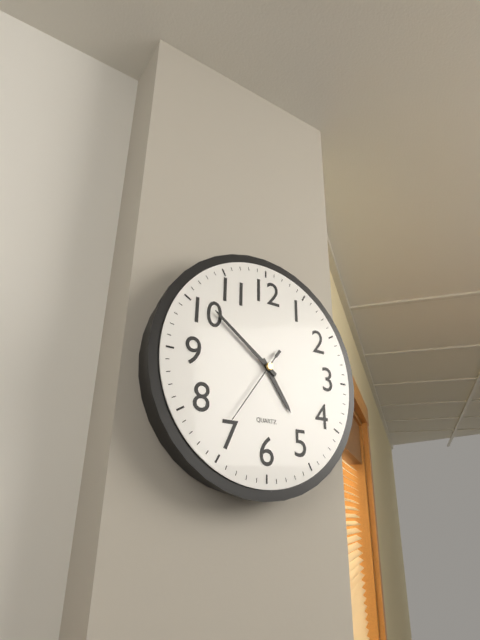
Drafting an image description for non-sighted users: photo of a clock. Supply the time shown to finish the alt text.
4:51:36
